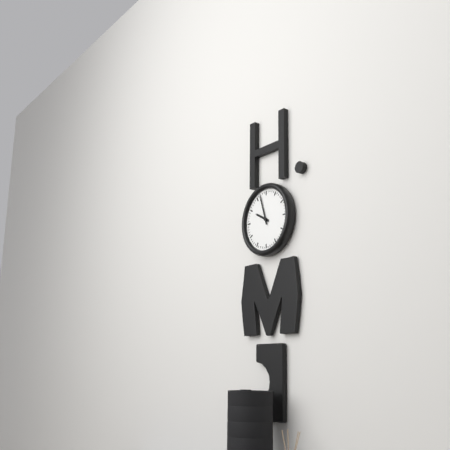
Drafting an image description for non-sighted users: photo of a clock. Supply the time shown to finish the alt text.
9:57
